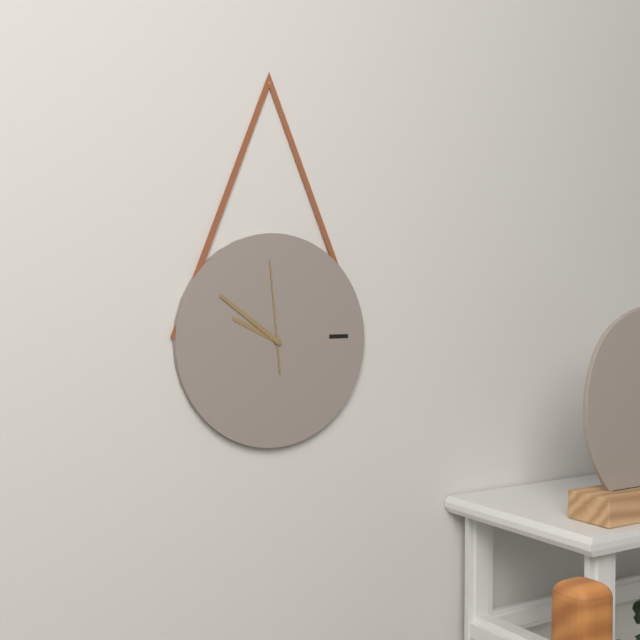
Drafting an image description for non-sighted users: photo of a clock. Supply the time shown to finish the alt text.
9:51:59
